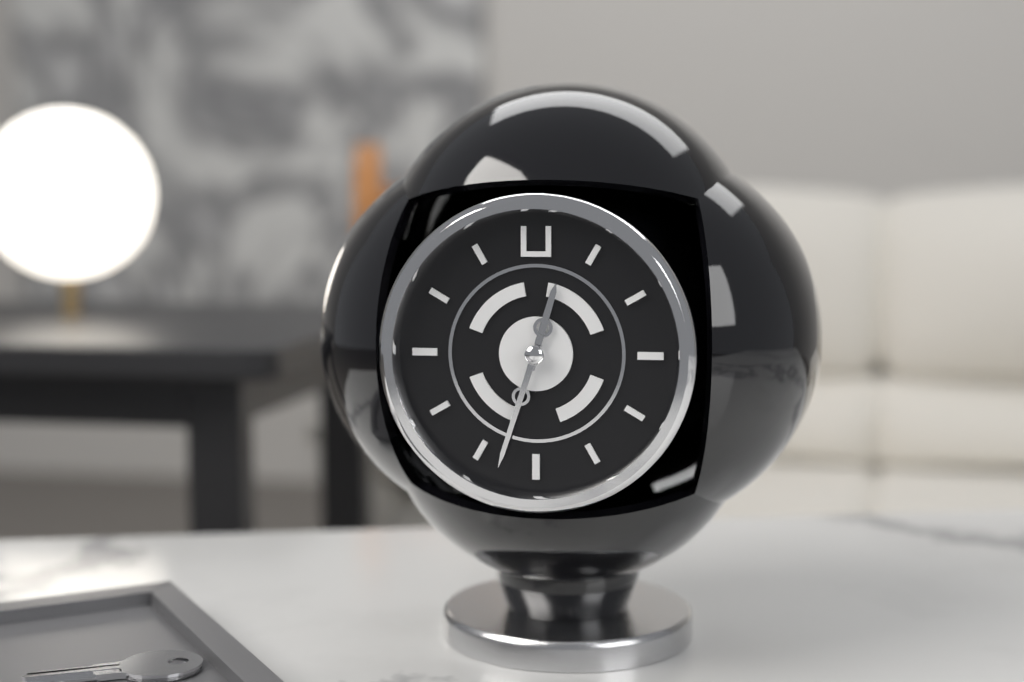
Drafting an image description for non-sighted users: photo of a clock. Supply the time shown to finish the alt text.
12:33
